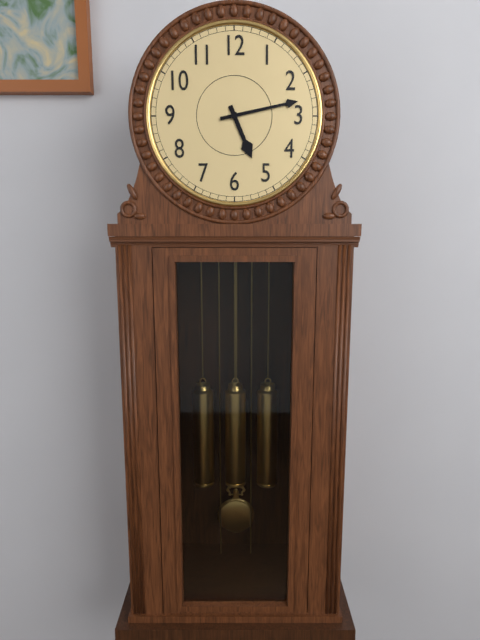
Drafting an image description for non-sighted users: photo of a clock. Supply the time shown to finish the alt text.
5:13
